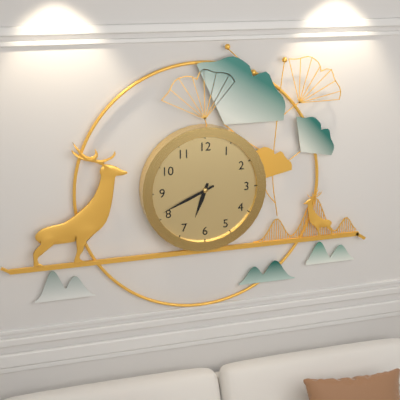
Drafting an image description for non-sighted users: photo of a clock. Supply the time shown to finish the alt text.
6:41
